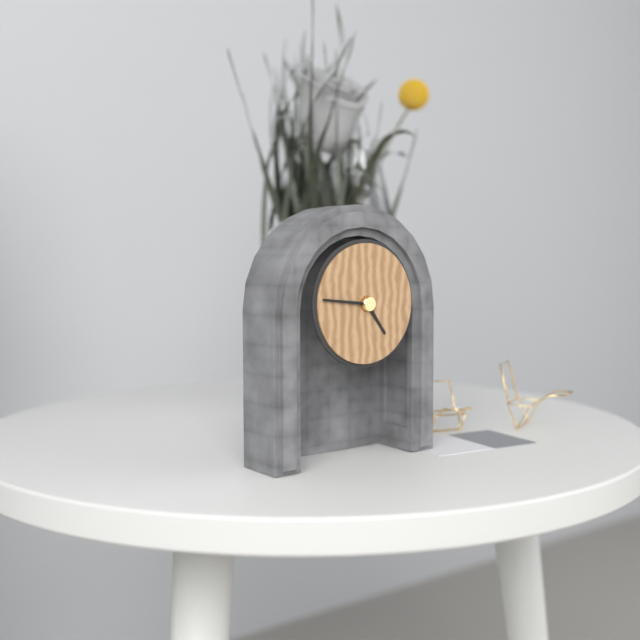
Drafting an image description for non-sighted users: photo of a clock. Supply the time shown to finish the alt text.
4:46
